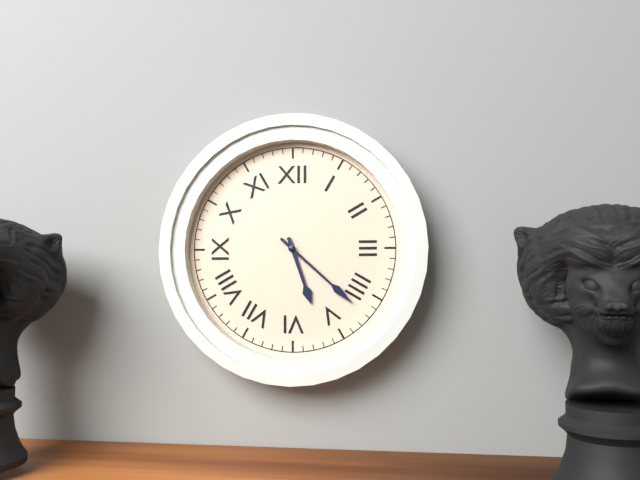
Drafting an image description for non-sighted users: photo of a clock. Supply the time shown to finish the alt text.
5:22
